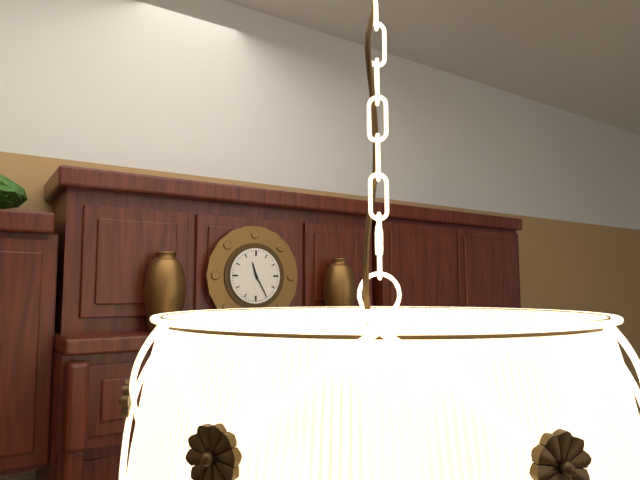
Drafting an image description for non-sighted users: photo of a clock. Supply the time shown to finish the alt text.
11:25
